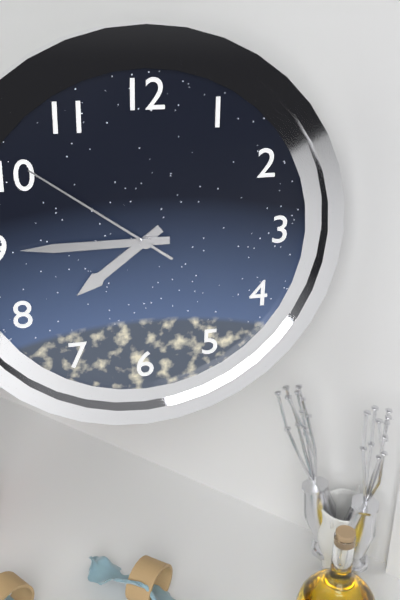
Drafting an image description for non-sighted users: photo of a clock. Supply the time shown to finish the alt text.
7:45:51
